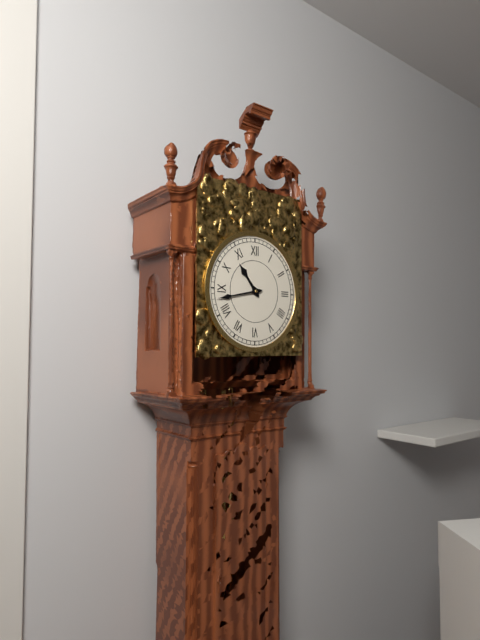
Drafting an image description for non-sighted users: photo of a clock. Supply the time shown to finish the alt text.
10:43
